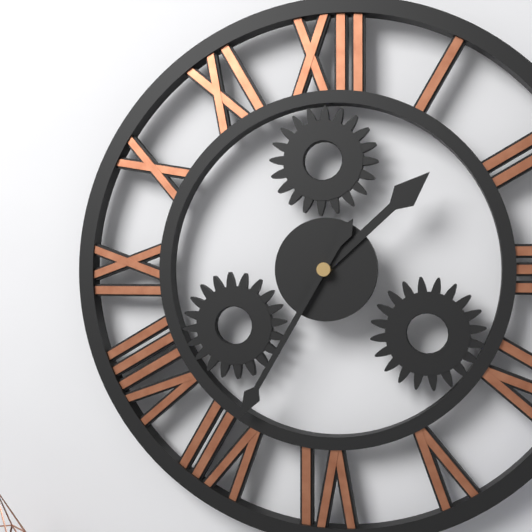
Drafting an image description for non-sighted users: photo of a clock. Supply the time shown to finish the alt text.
1:35
